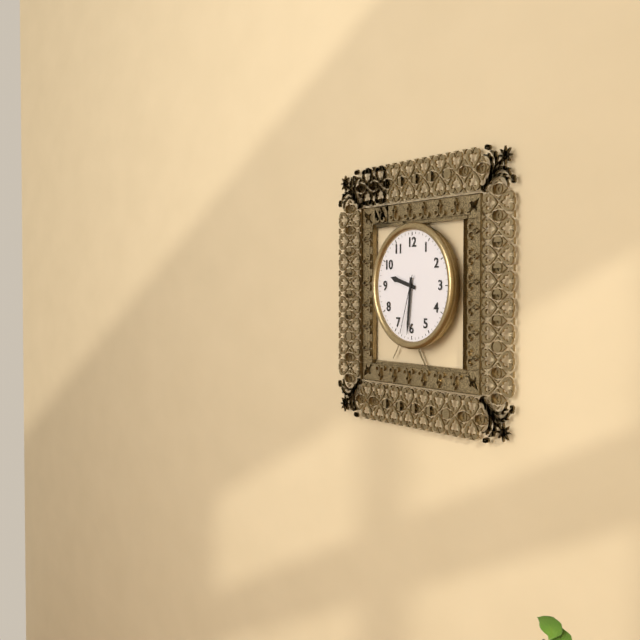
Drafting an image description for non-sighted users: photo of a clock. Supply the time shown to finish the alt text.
9:31:33
